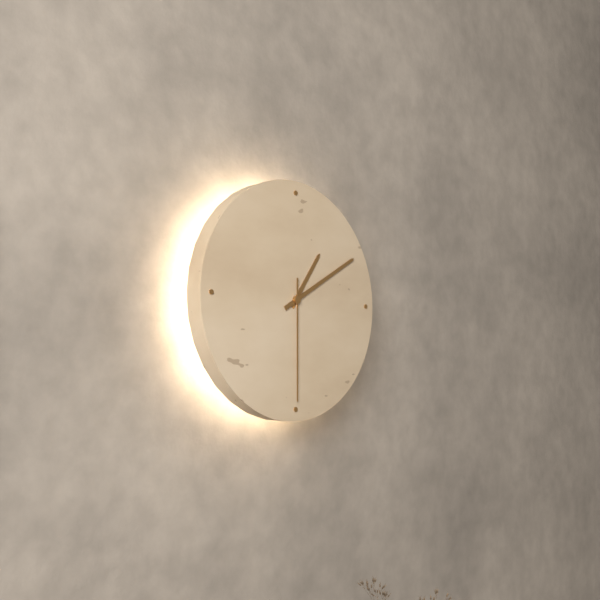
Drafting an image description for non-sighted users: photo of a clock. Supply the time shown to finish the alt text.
1:10:30
